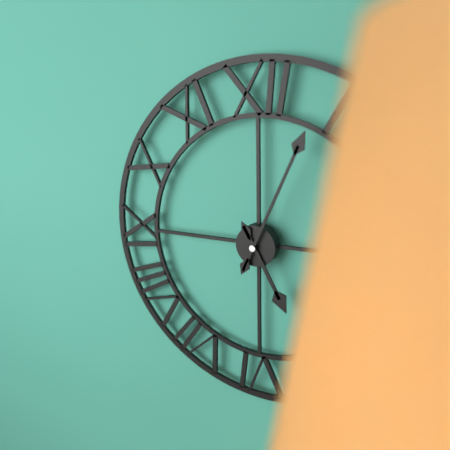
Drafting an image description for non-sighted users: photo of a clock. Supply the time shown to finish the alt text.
5:04
